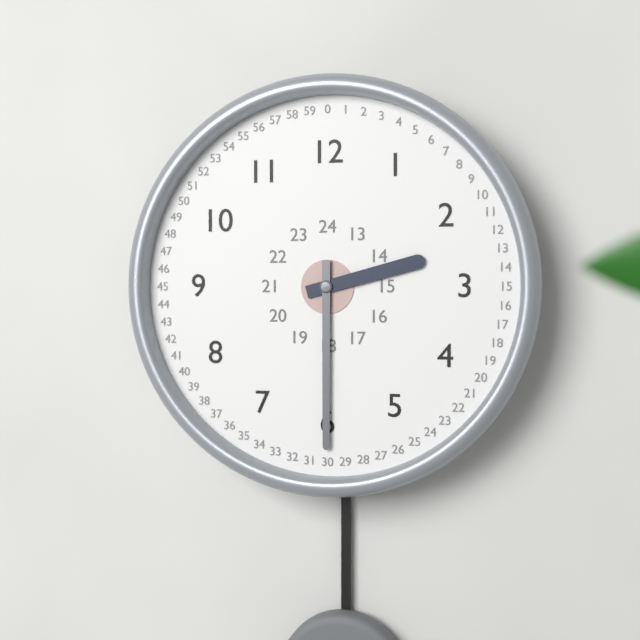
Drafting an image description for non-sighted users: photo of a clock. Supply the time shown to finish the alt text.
2:30
